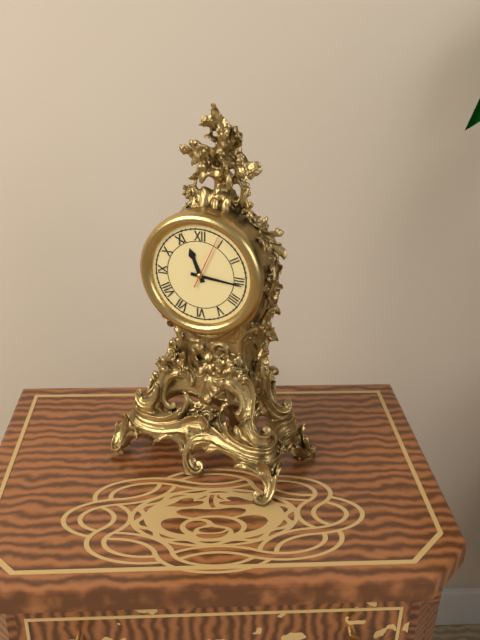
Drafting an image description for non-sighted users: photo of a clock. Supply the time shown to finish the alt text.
11:16:04
